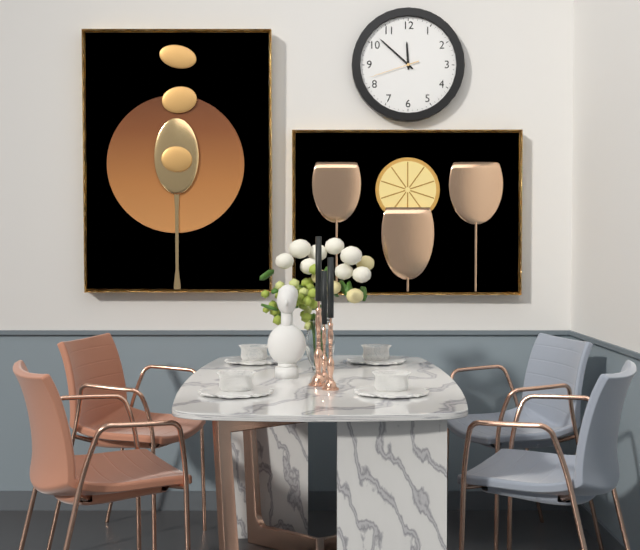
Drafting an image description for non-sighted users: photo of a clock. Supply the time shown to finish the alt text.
11:52:42
